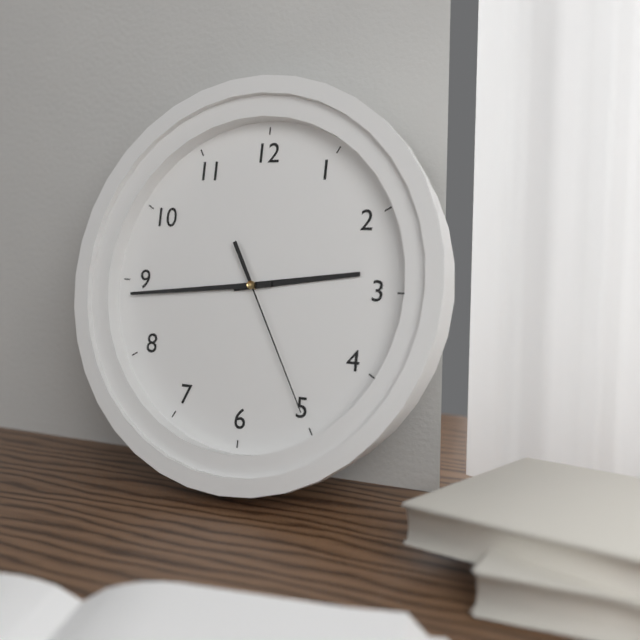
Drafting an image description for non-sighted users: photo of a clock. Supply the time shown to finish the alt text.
2:44:25
